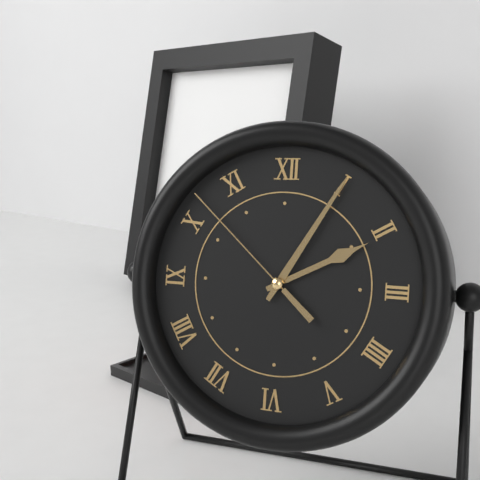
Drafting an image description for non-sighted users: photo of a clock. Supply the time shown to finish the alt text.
2:05:52
